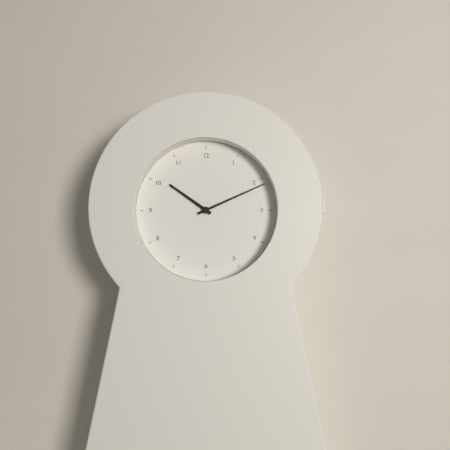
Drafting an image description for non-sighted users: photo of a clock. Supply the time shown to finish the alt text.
10:11
